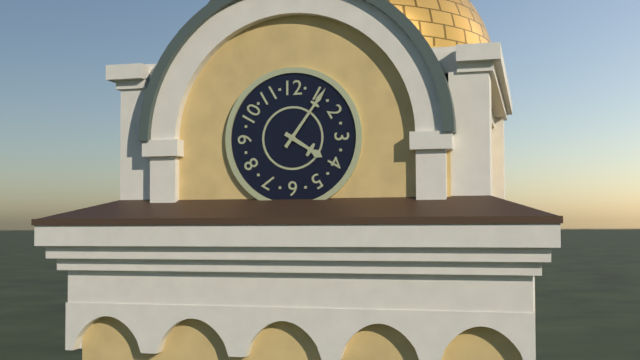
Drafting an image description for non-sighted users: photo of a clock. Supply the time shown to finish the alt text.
4:06
